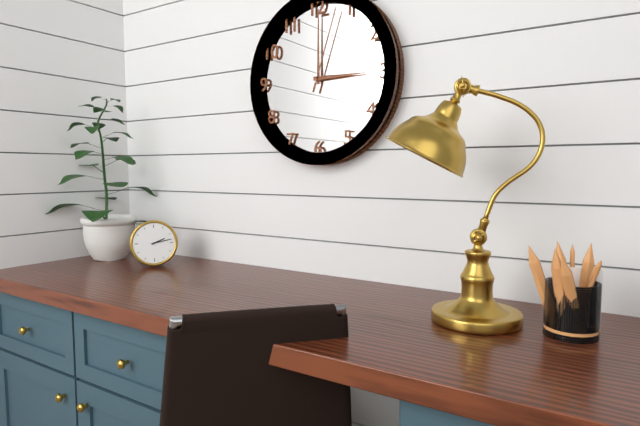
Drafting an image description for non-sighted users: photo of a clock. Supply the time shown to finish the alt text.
2:13
